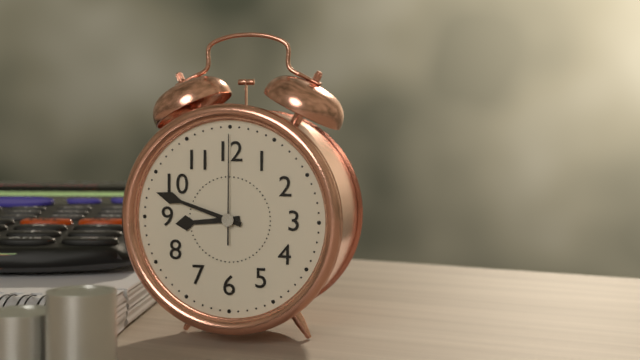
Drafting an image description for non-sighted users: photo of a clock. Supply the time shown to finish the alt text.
8:48:00
